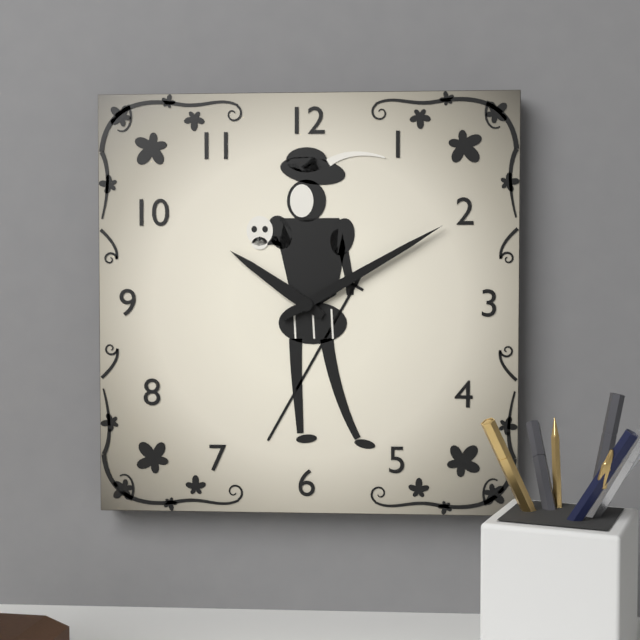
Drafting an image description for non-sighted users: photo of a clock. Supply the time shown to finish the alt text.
10:10
